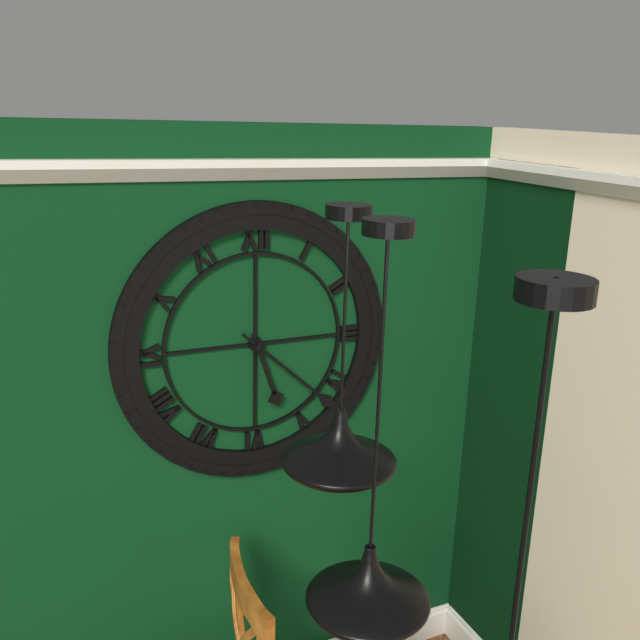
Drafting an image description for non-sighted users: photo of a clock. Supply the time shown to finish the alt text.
5:22
